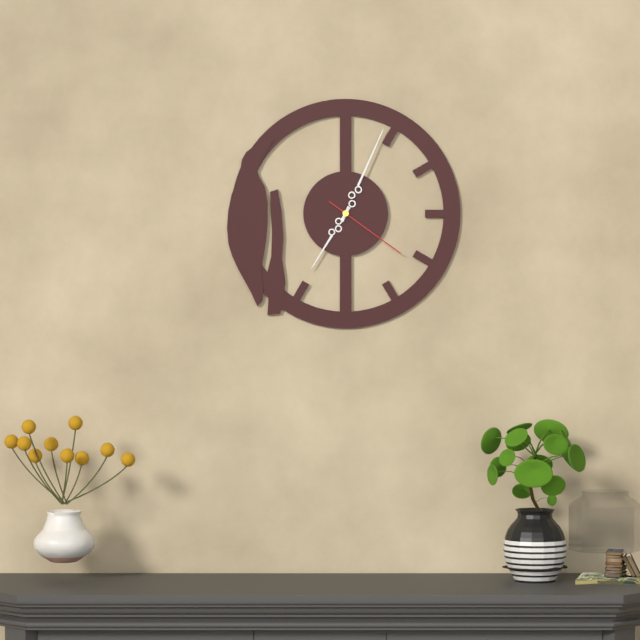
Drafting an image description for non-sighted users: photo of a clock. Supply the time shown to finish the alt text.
7:04:21
